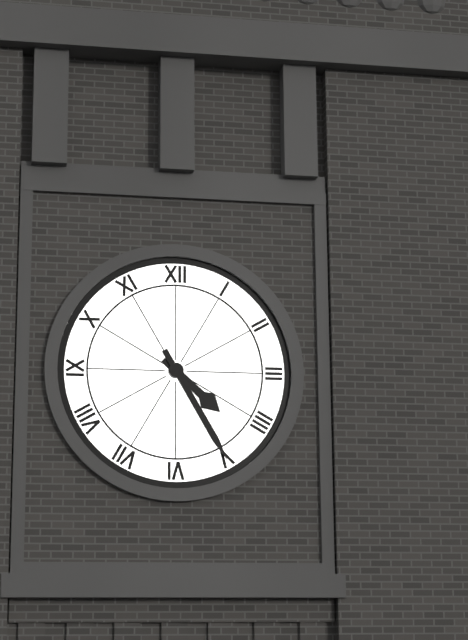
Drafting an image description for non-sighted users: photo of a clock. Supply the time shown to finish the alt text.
4:25
